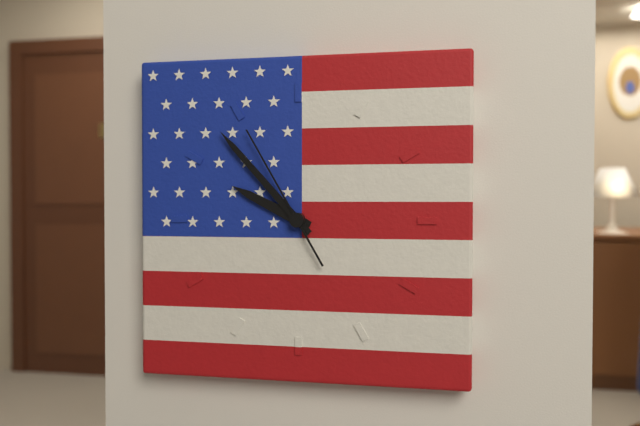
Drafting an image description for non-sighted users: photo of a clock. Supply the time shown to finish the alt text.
9:53:55
